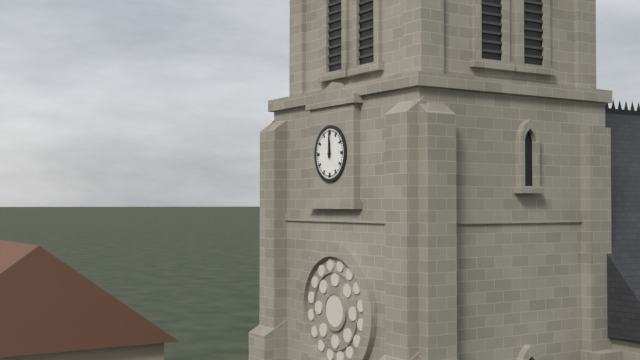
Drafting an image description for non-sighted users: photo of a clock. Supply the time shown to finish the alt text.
12:00
